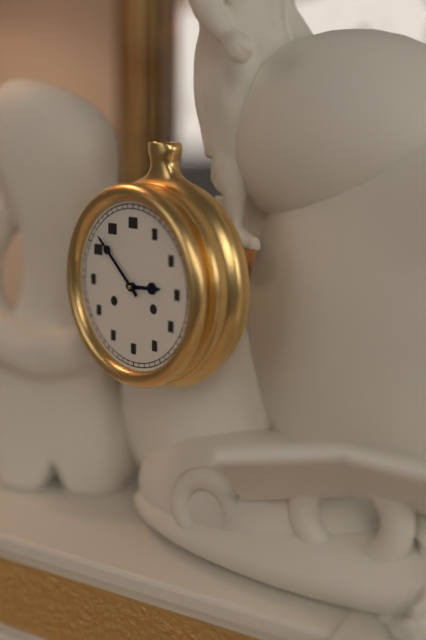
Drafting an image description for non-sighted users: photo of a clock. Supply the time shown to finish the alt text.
2:52
